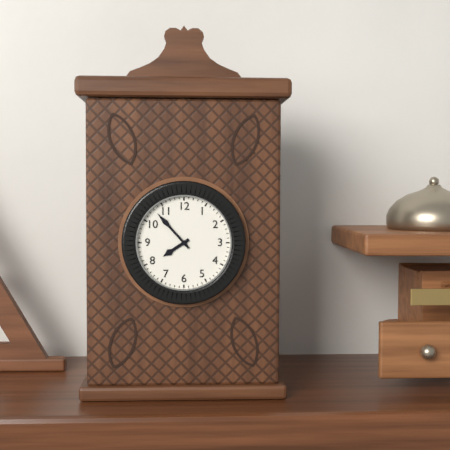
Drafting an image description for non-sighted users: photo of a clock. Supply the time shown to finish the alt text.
7:53
